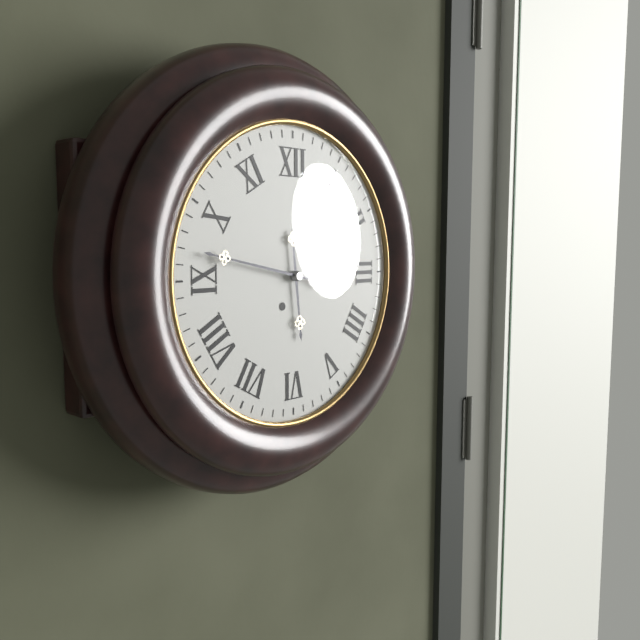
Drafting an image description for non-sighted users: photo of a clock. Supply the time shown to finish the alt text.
5:47
